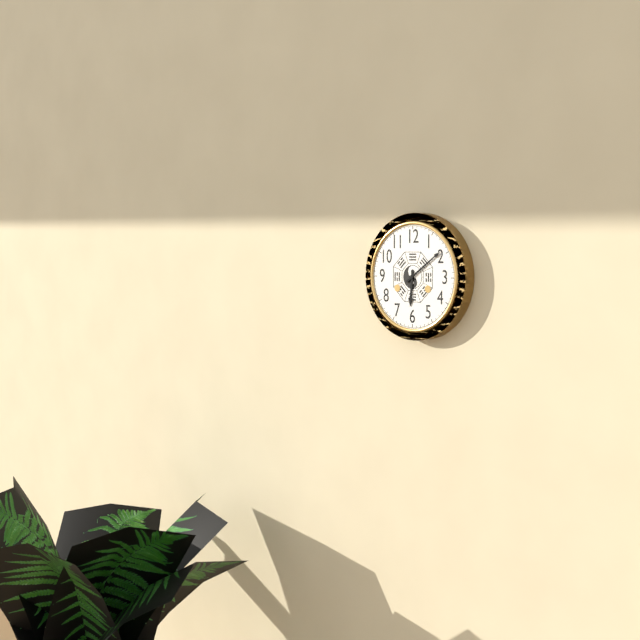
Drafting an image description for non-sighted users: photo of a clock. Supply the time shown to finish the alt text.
6:09
